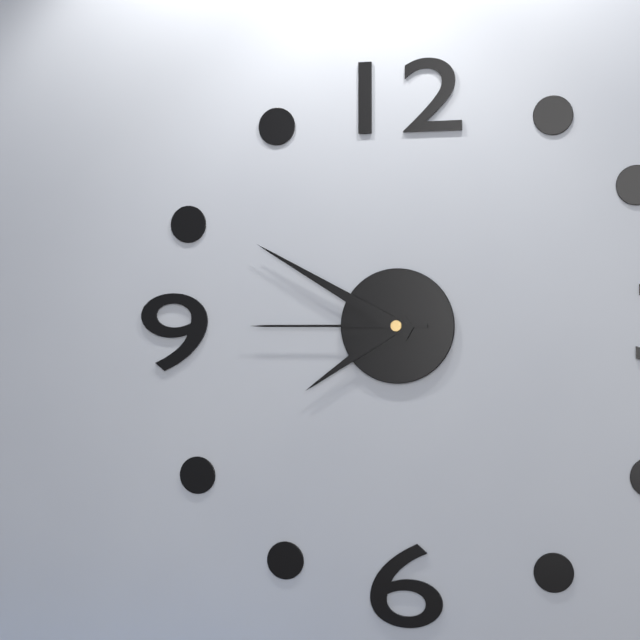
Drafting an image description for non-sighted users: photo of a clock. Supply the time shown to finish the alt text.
7:50:45
